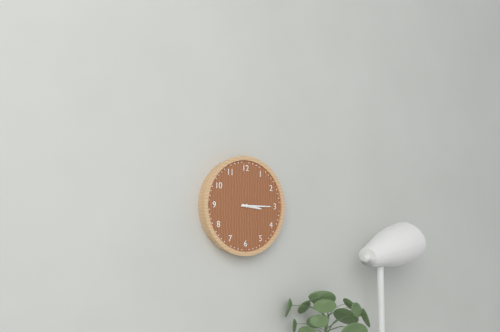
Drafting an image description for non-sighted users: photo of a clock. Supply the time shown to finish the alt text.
3:15
